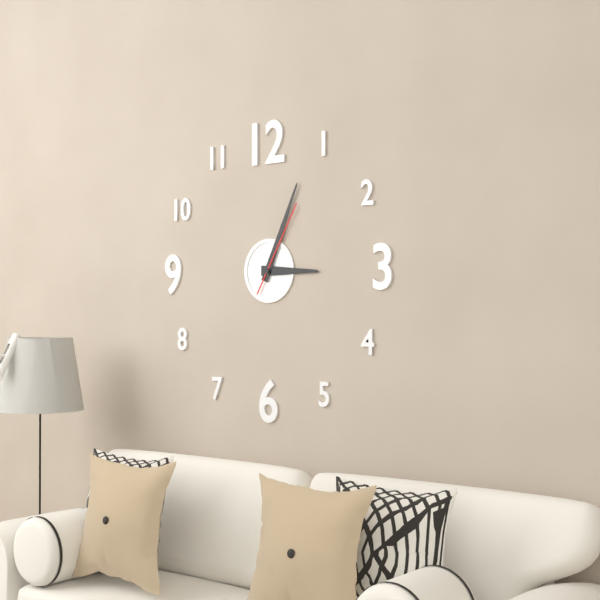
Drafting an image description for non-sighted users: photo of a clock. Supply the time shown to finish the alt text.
3:04:05
